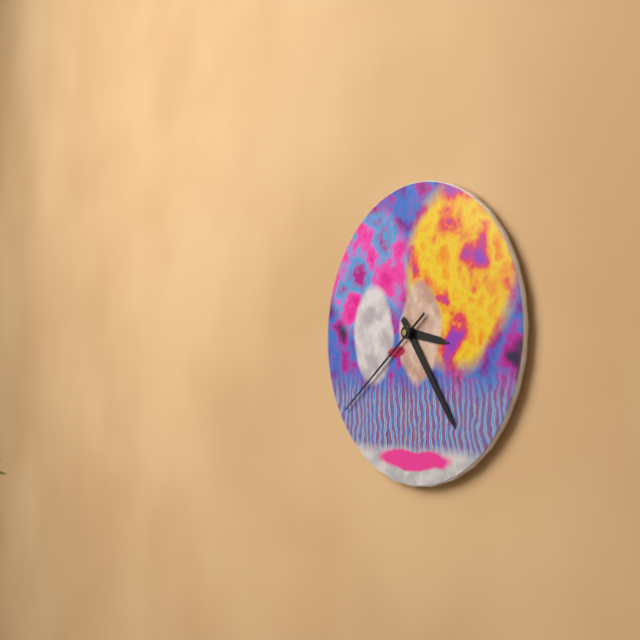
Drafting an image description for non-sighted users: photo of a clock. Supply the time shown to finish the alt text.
3:24:39
